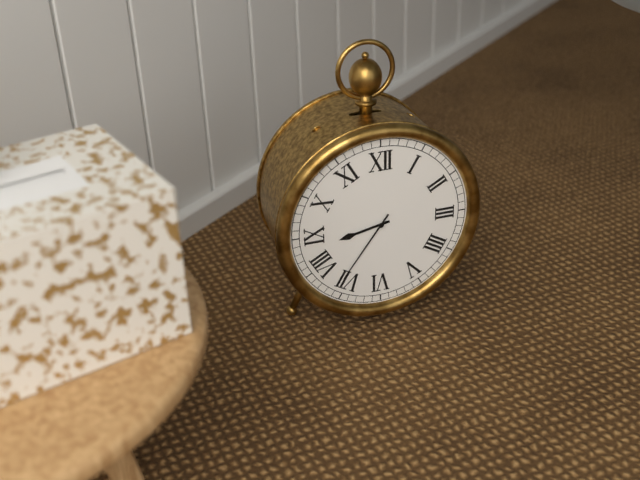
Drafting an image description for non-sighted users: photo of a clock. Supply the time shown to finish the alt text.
8:36
